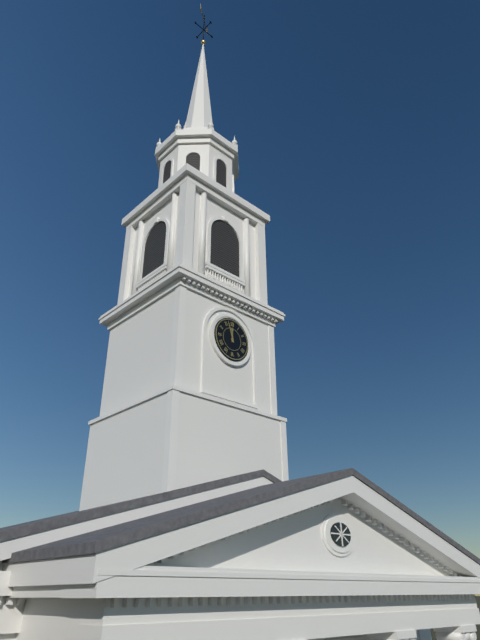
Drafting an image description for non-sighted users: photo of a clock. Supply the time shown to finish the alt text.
11:57
